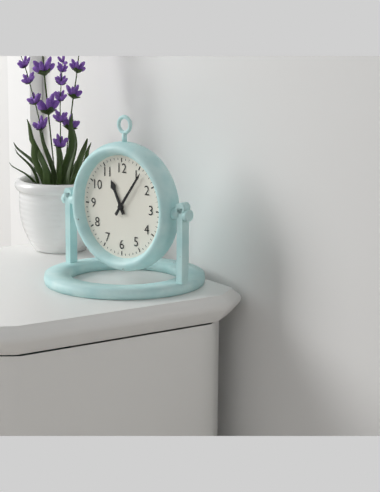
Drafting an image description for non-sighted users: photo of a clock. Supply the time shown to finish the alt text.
11:06
